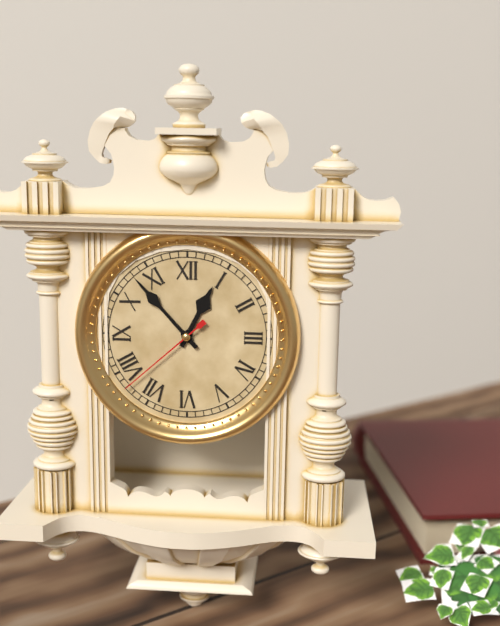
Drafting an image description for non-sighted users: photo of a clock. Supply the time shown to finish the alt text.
12:53:38
